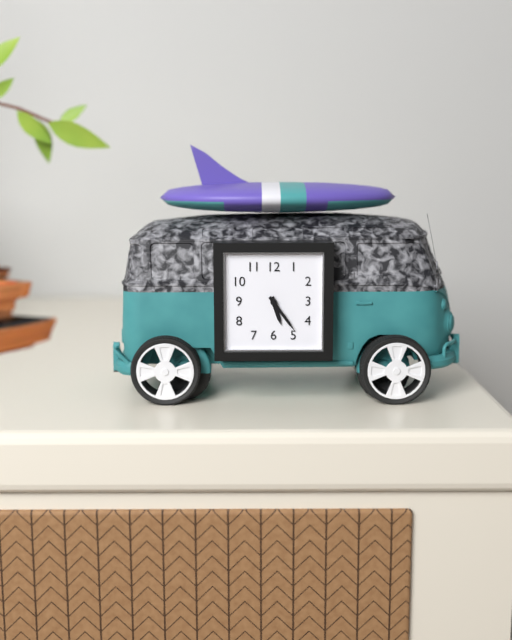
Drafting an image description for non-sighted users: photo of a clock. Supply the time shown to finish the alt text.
5:24
